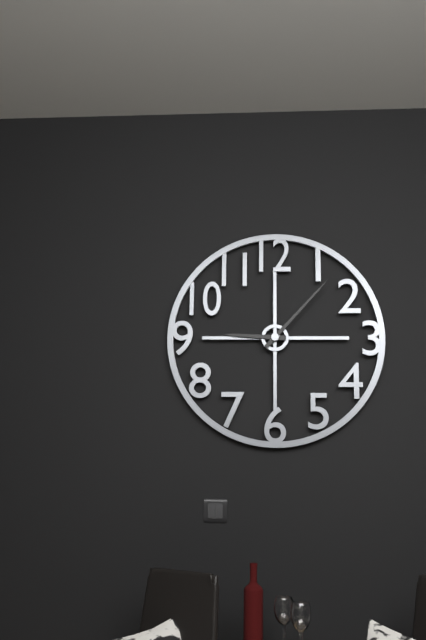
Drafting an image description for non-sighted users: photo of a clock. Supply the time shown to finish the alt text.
9:07
